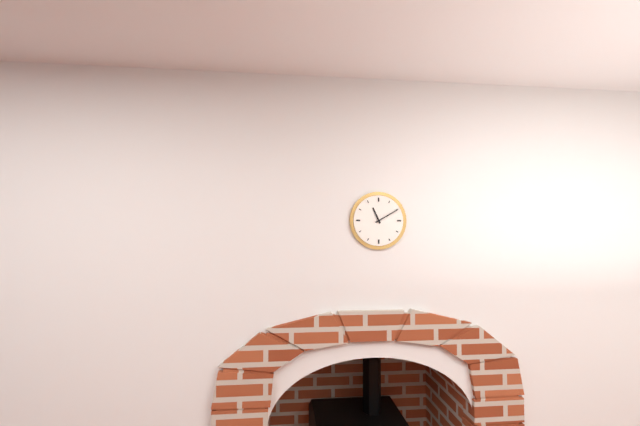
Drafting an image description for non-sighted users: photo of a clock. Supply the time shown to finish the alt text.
11:10
